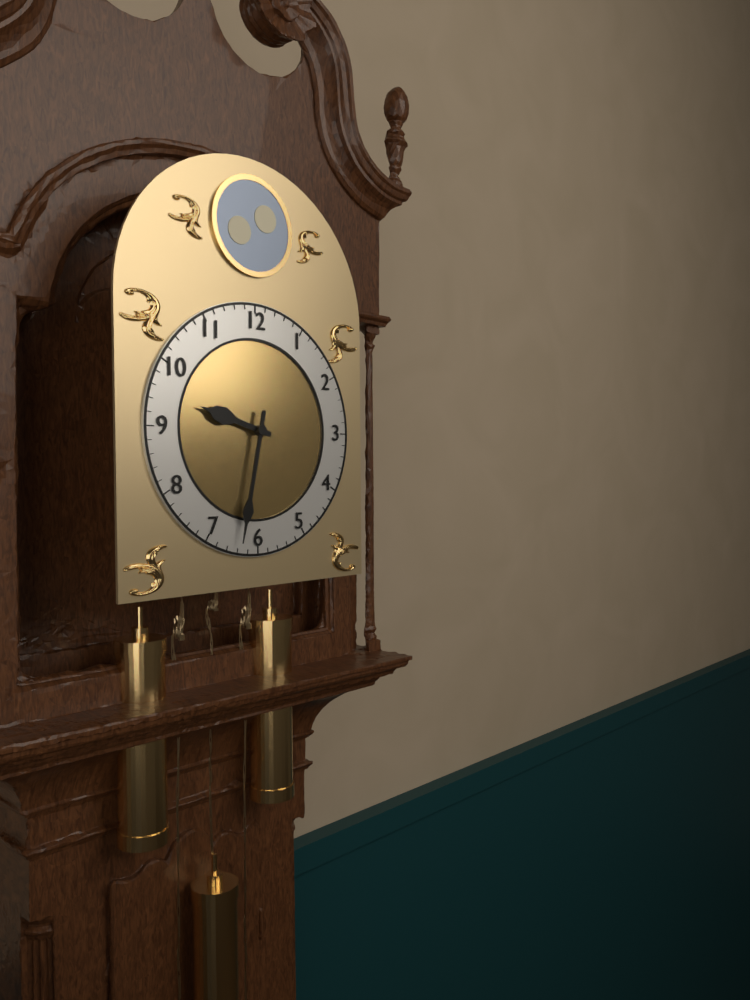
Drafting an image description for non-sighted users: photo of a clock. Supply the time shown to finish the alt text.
9:32
